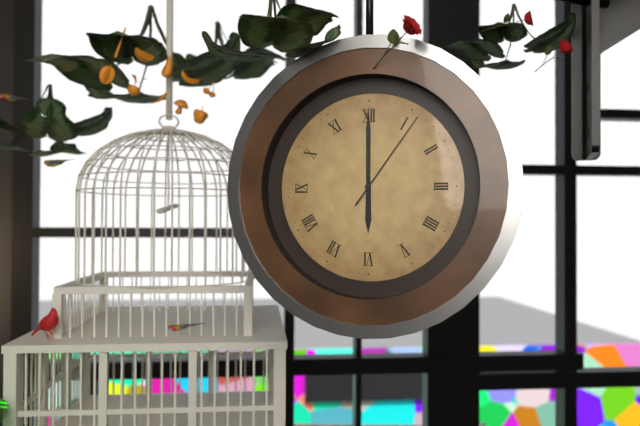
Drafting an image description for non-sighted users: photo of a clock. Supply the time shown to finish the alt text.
6:00:06
